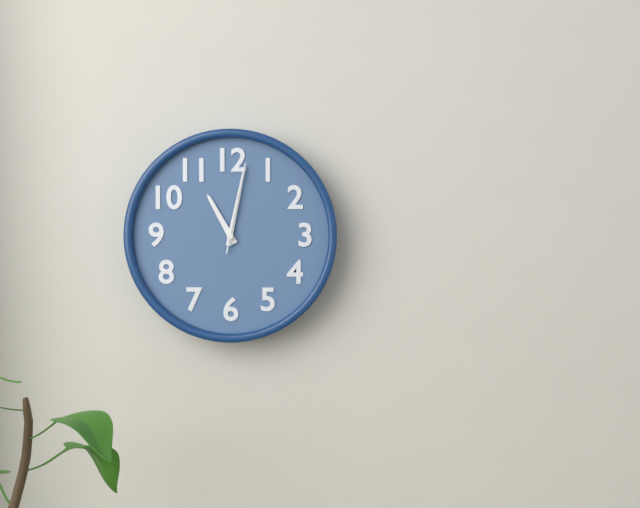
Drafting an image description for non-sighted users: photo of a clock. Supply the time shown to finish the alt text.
11:02:02
